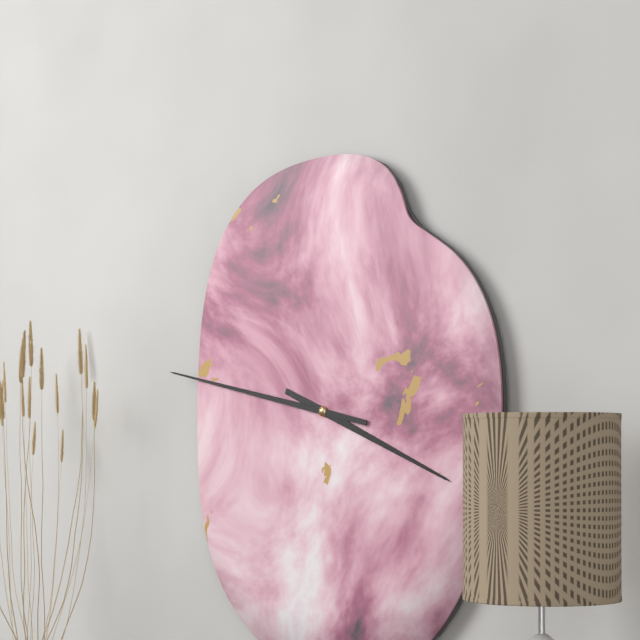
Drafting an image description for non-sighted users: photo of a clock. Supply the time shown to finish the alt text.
3:47
